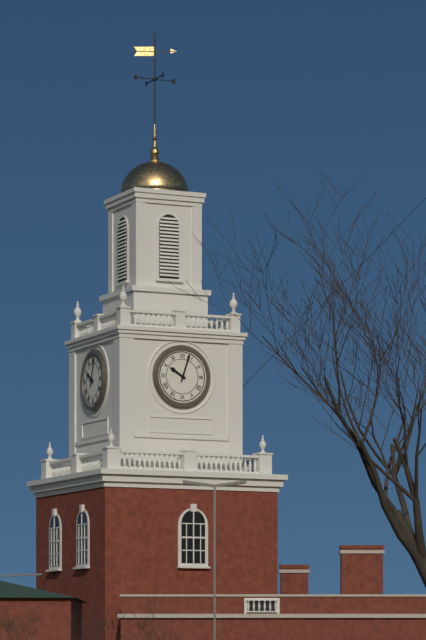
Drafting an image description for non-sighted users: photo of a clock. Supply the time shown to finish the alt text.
10:03
